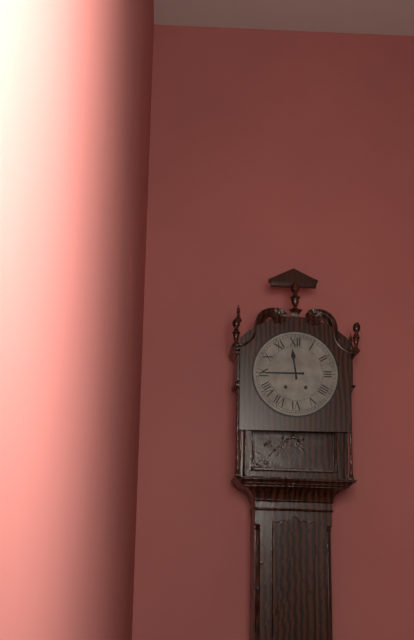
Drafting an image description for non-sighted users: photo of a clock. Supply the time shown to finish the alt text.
11:45
